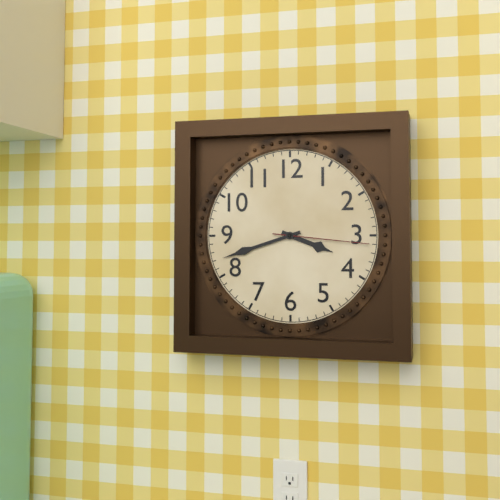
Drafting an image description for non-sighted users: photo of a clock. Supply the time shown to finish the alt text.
3:42:16
